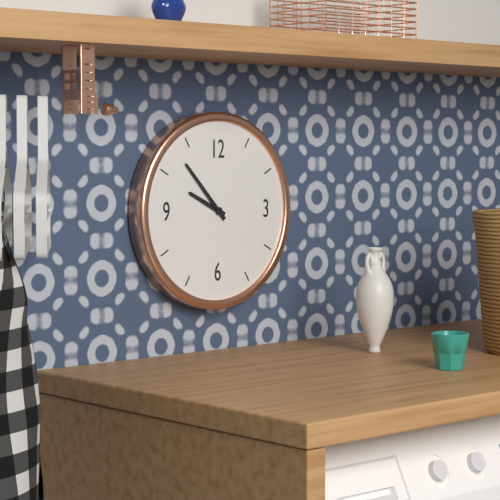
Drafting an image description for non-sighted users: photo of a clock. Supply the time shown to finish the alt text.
9:53
